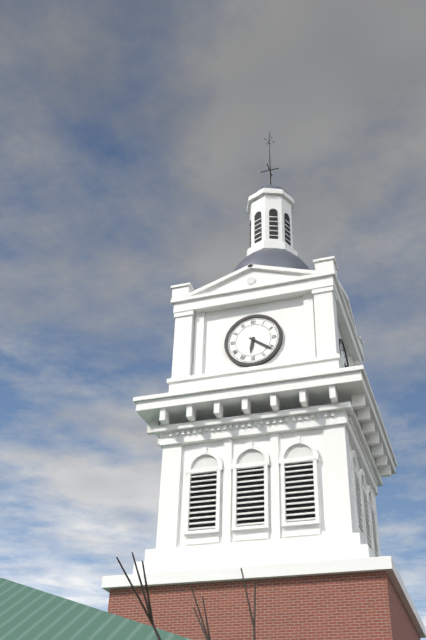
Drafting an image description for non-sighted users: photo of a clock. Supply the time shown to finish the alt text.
6:21
